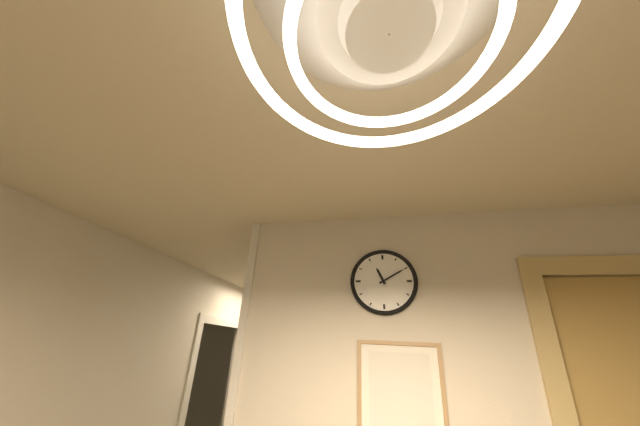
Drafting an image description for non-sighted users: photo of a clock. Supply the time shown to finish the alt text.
11:10
